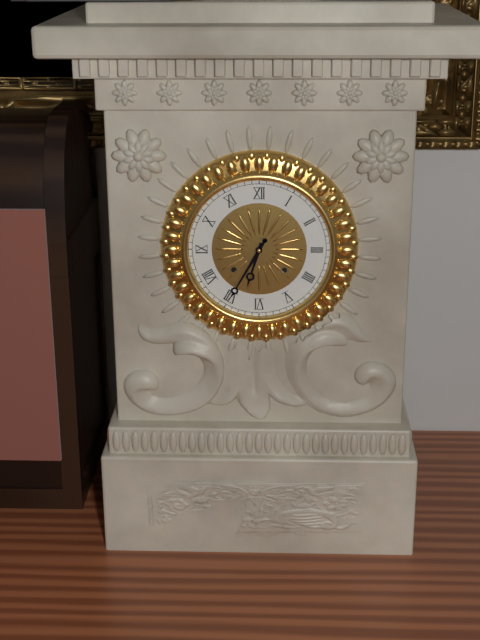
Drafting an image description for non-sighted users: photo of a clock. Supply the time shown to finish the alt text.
6:35
